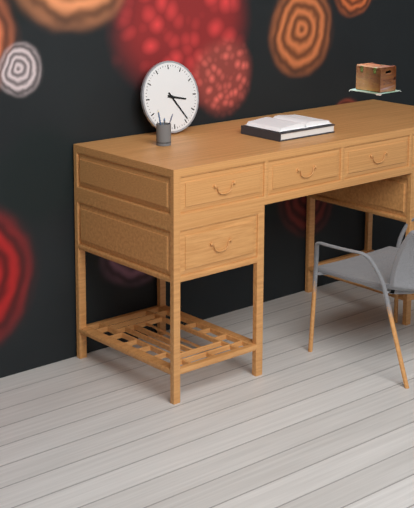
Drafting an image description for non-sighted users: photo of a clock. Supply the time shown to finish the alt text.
3:24
